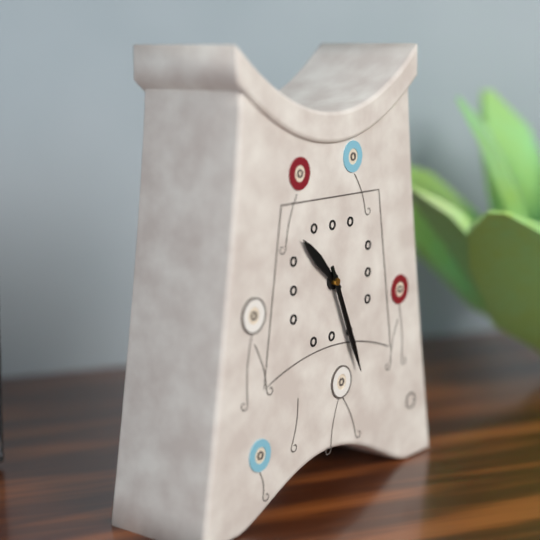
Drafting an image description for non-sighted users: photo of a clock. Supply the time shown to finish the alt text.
10:26
